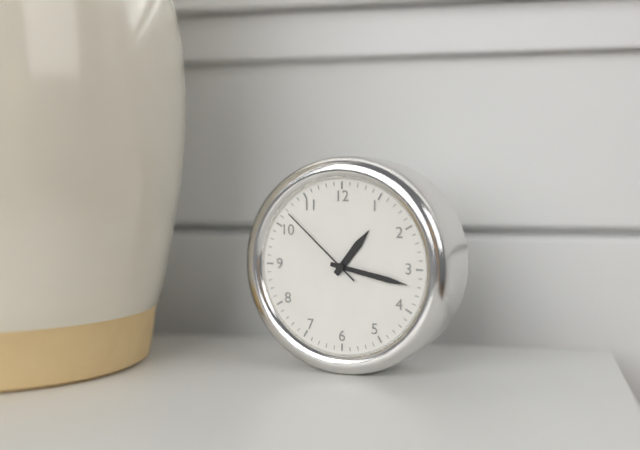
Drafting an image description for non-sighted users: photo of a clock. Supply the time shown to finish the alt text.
1:17:52
